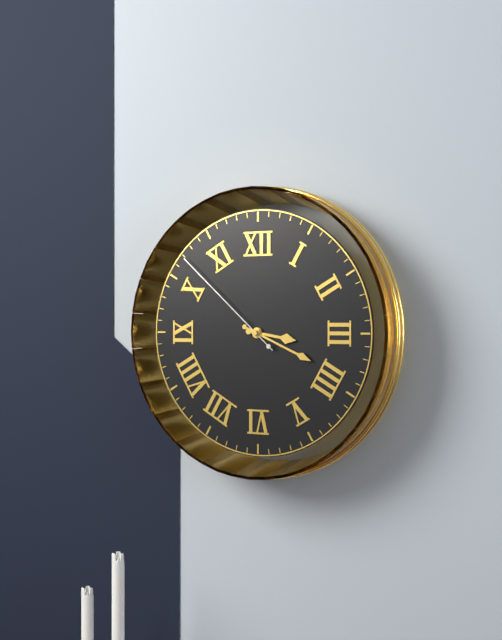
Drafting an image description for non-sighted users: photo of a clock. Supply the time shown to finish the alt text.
3:19:52
